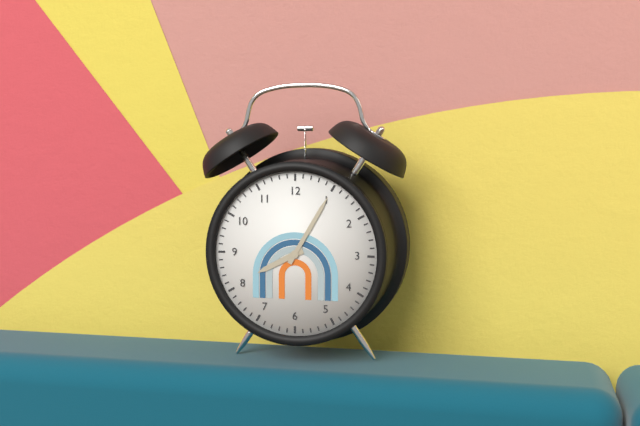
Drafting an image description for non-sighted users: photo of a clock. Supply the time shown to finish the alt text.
8:05
